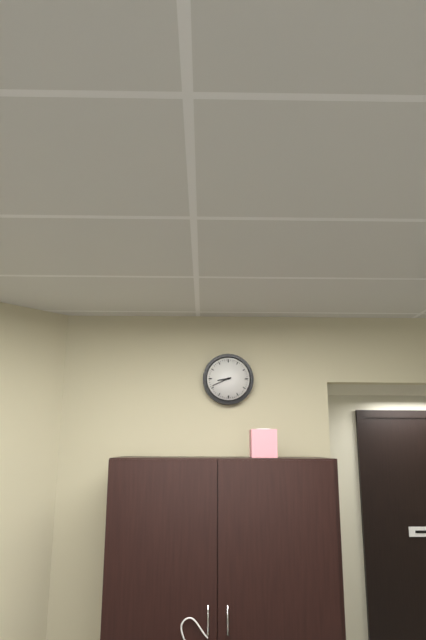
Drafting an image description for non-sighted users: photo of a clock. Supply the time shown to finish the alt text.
8:41
